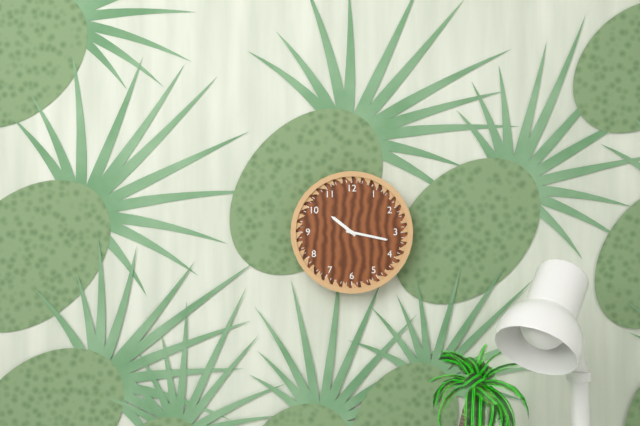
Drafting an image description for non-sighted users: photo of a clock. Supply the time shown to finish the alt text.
10:17
